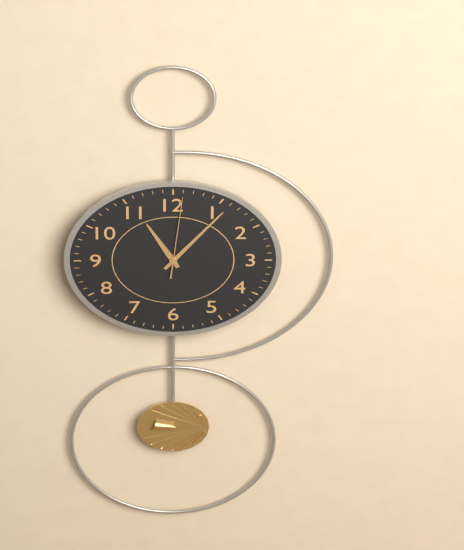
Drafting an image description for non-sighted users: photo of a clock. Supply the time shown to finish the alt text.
11:06:01
